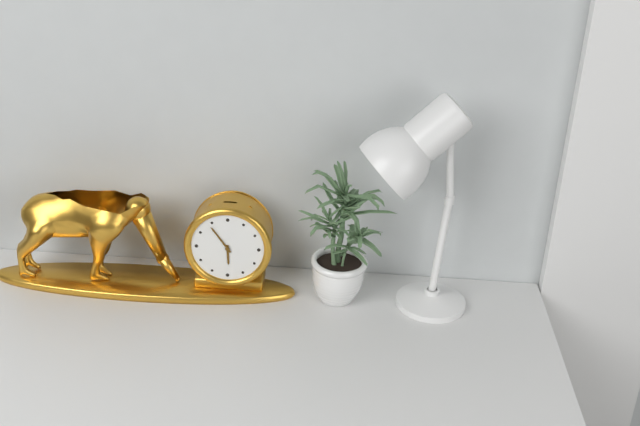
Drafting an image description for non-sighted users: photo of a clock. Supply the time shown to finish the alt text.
5:54
